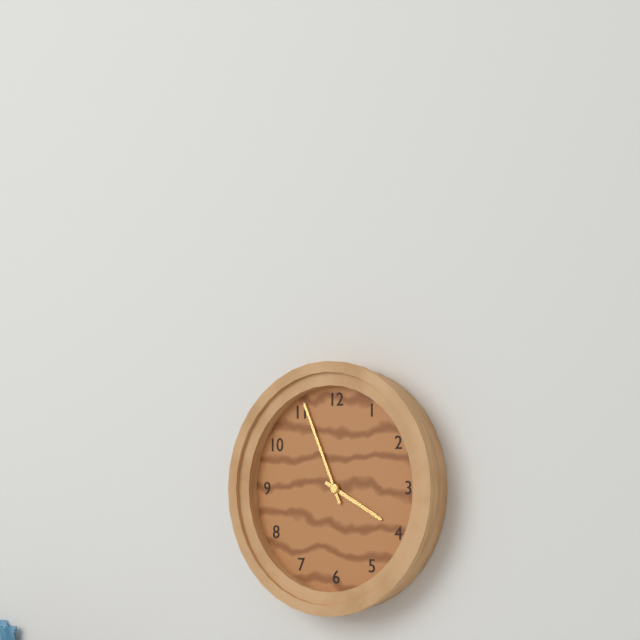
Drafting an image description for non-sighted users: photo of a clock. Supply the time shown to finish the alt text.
3:56
